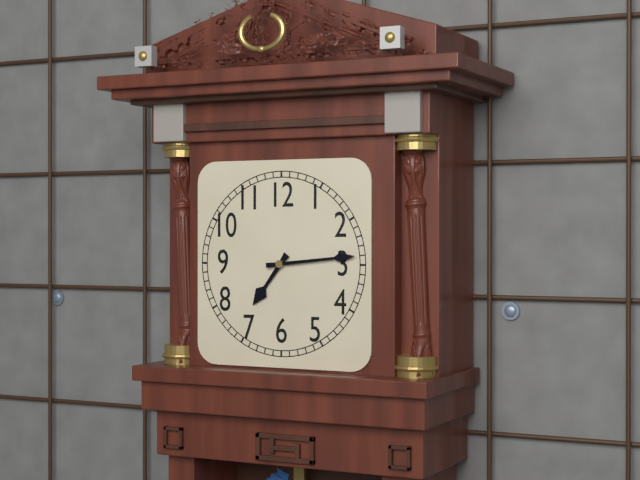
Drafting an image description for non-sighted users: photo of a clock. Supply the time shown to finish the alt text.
7:14
